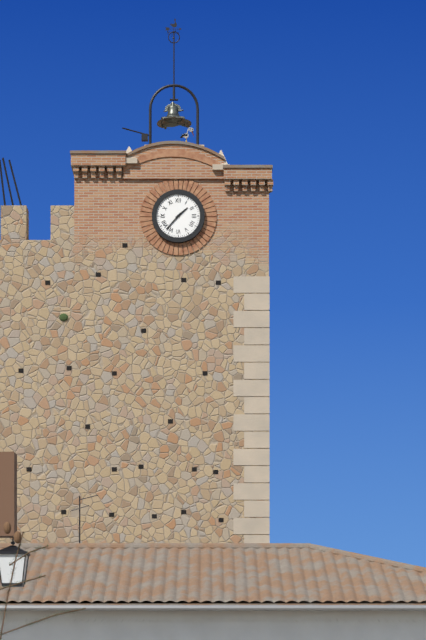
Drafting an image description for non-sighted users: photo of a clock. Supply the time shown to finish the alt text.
1:37
